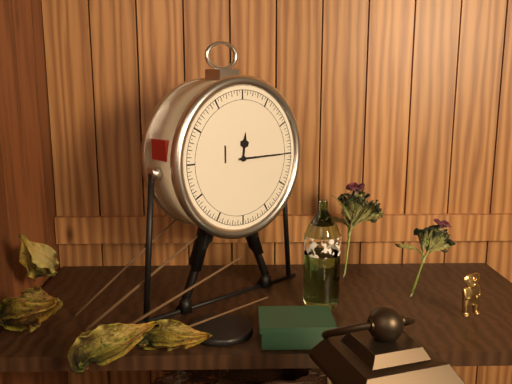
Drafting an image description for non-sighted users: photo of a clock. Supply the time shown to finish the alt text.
12:15
